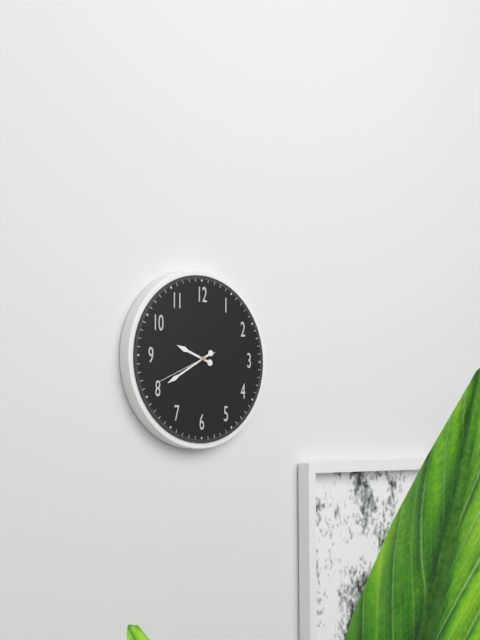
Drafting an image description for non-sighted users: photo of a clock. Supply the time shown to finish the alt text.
9:40:41
